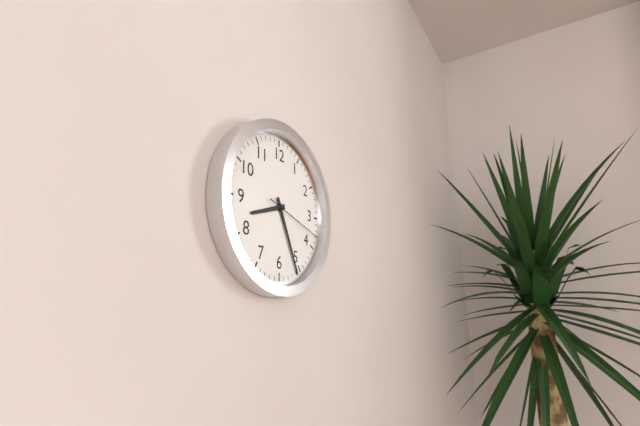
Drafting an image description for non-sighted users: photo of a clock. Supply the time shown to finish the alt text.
8:26:18
